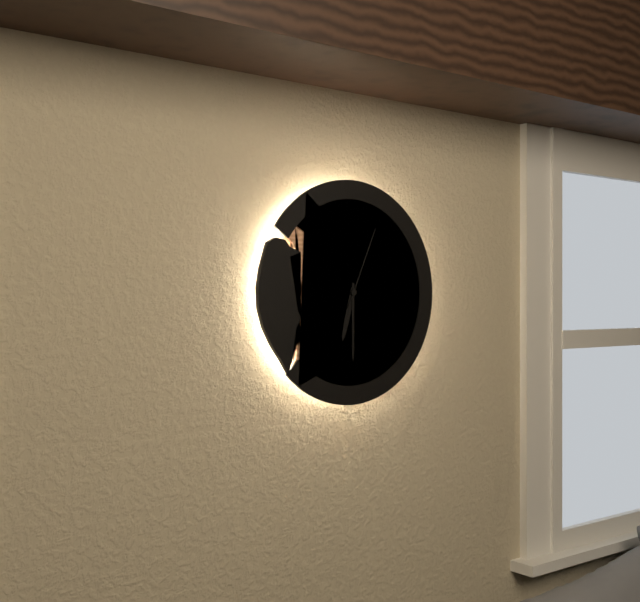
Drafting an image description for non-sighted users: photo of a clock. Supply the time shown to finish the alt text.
6:30:04
